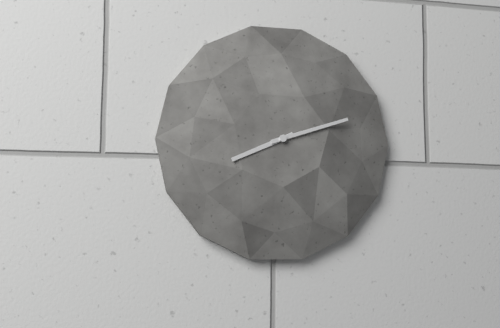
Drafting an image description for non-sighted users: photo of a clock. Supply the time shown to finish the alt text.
8:12
